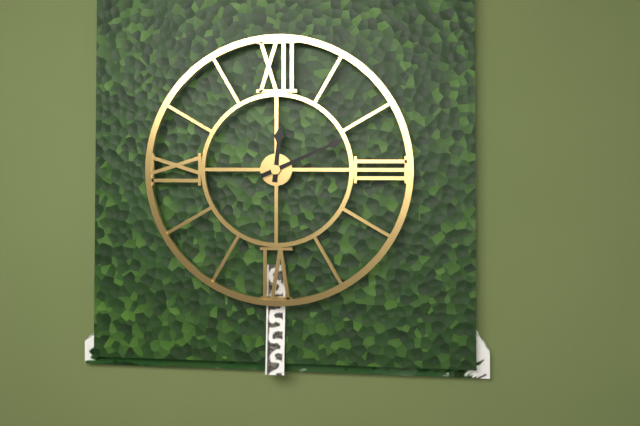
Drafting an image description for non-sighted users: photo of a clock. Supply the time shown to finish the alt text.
12:11
